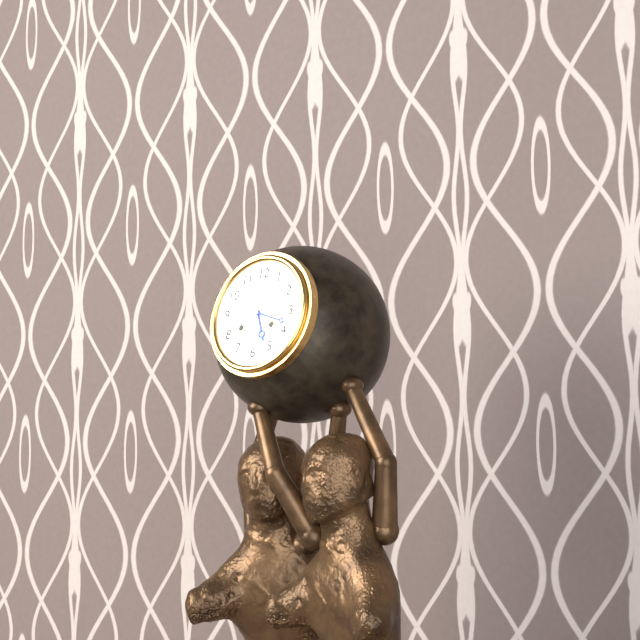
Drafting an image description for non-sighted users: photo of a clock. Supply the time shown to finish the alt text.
5:18
